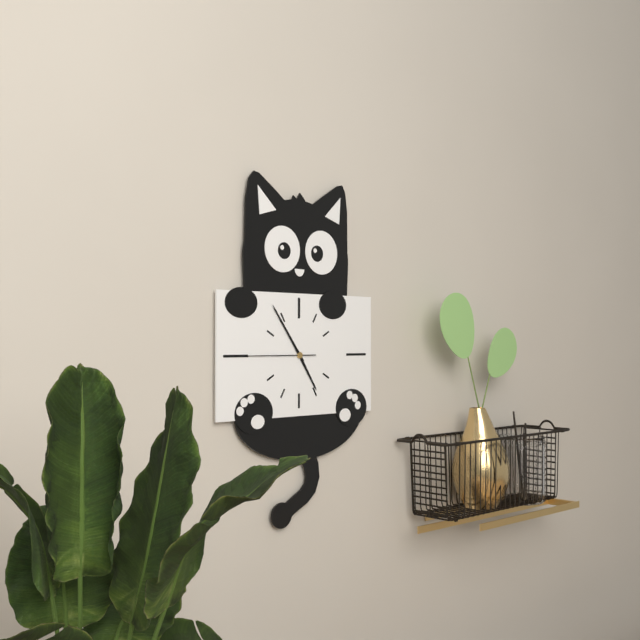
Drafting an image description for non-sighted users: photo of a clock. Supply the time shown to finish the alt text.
4:54:45
